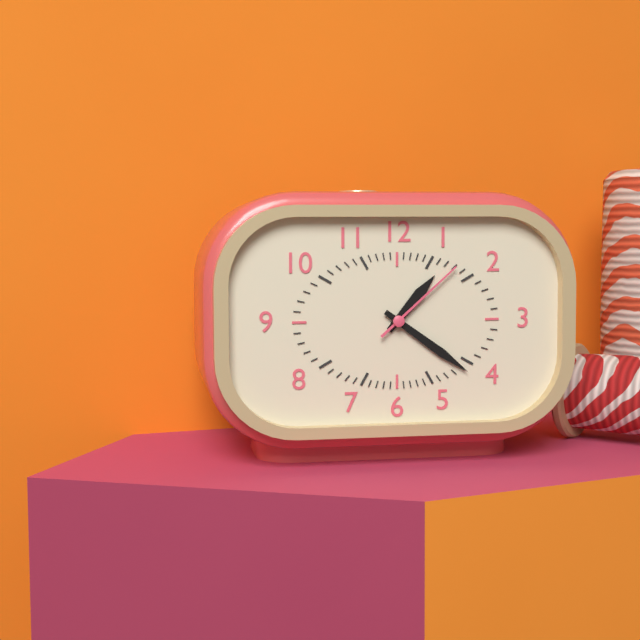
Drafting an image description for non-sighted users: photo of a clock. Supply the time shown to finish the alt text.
1:21:08
